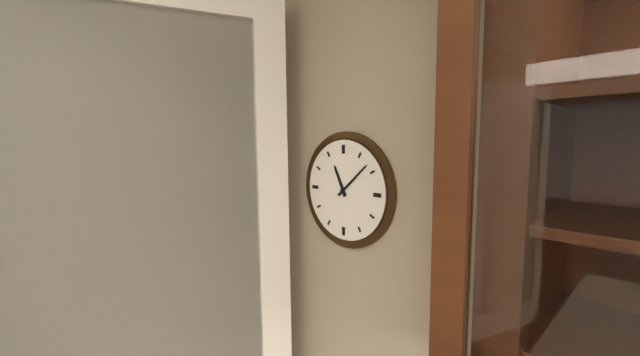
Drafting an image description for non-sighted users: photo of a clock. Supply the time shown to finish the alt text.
11:08
